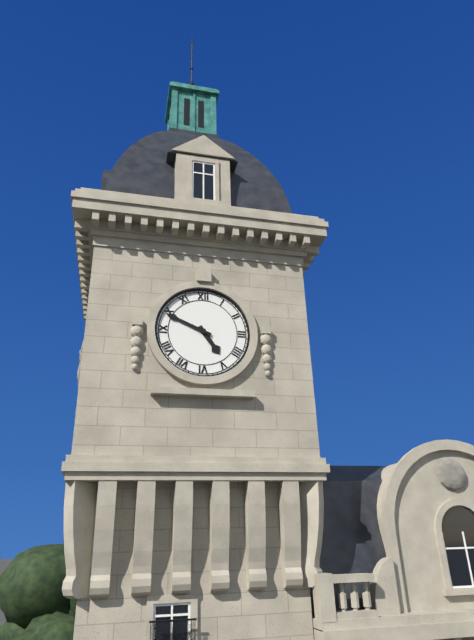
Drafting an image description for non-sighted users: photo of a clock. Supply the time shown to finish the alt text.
4:49
